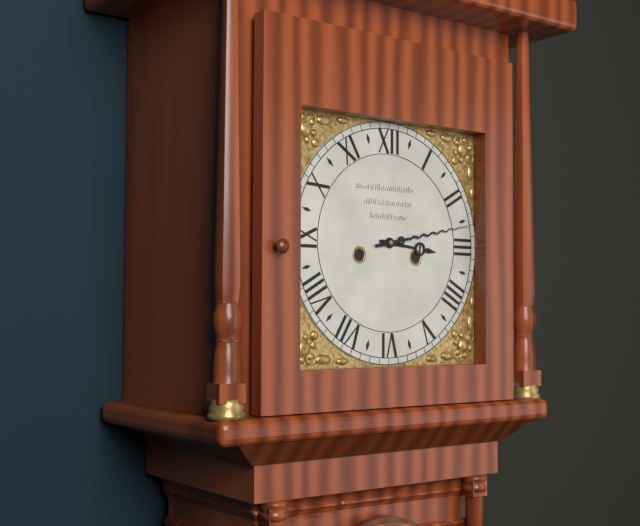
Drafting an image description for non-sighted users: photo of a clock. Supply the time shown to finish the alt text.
3:13
